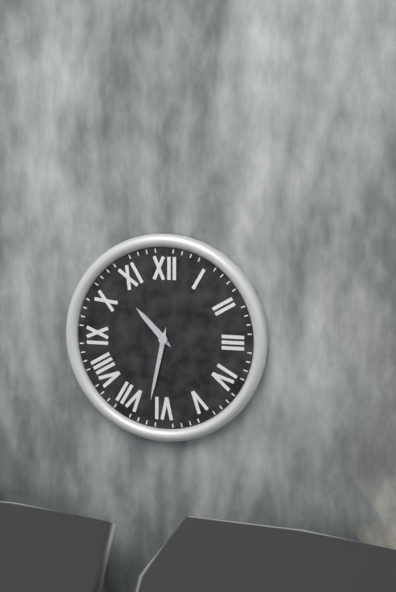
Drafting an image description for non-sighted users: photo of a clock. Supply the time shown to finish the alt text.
10:32
